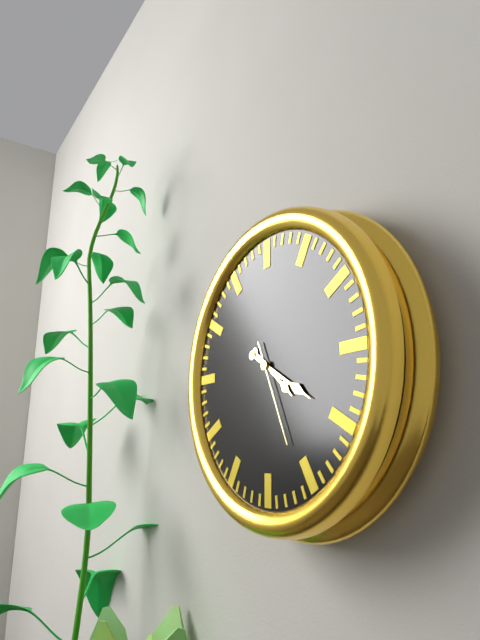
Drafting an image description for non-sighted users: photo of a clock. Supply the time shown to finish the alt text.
4:20:26
